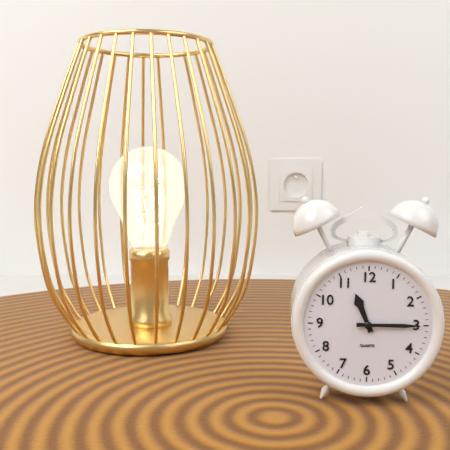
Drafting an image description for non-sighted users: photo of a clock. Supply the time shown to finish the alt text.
11:15
